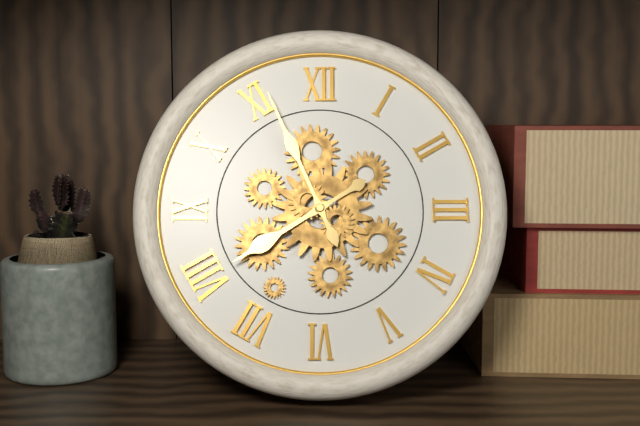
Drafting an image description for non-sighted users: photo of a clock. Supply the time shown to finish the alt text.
7:56
